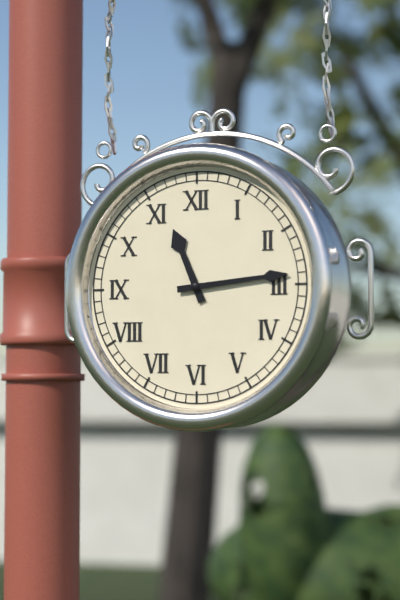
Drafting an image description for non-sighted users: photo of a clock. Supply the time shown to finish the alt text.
11:14
